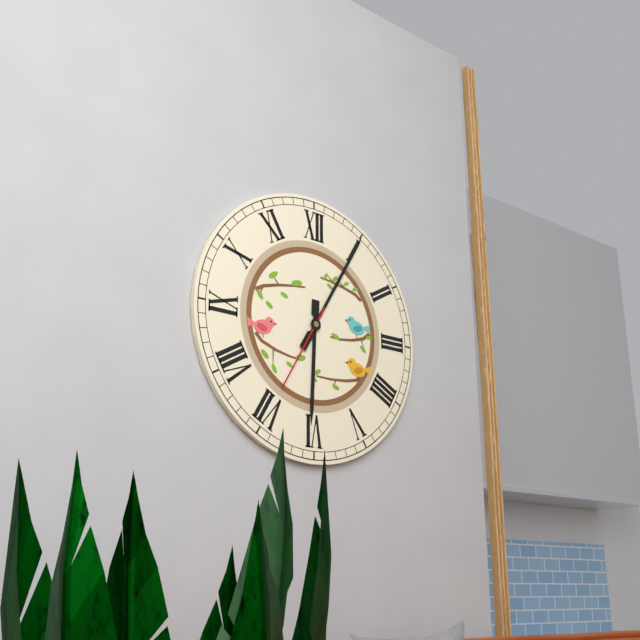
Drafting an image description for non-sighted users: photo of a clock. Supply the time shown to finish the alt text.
6:05:35
